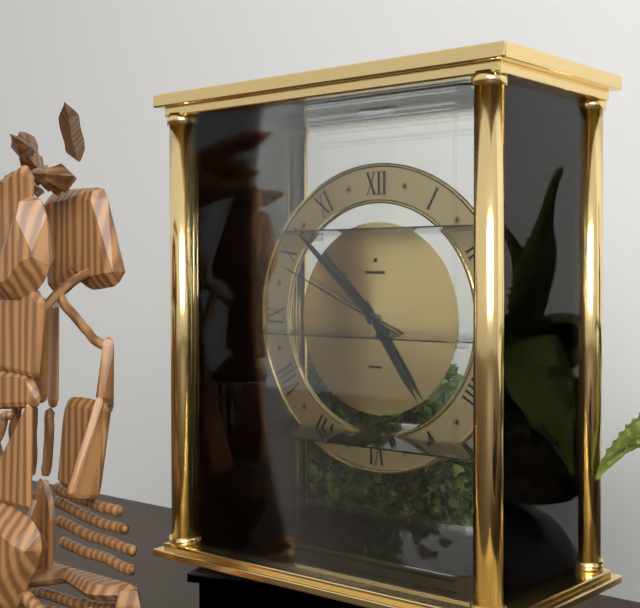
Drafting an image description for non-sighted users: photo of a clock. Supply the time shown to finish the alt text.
4:52:49
